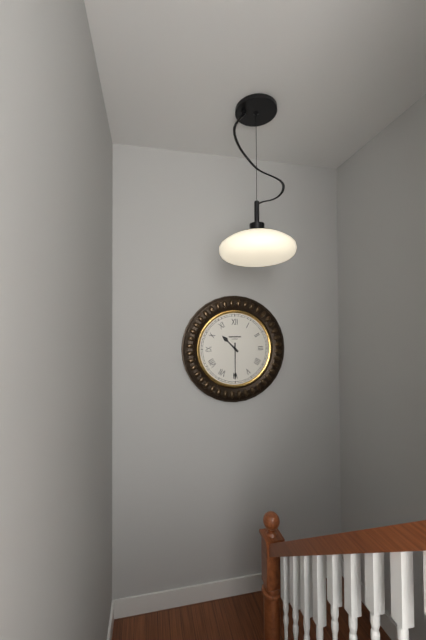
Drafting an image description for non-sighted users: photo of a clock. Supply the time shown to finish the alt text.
10:30
